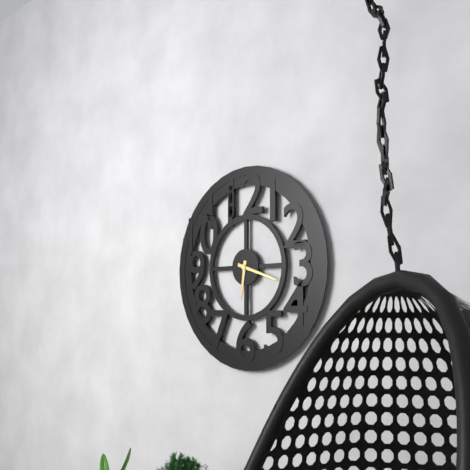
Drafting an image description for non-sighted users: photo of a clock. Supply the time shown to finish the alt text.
6:18
